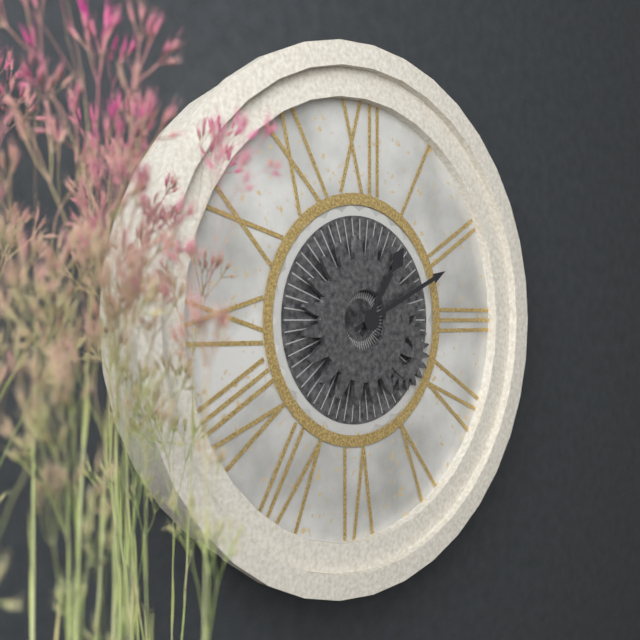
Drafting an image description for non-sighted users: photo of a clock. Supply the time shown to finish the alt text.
1:11
